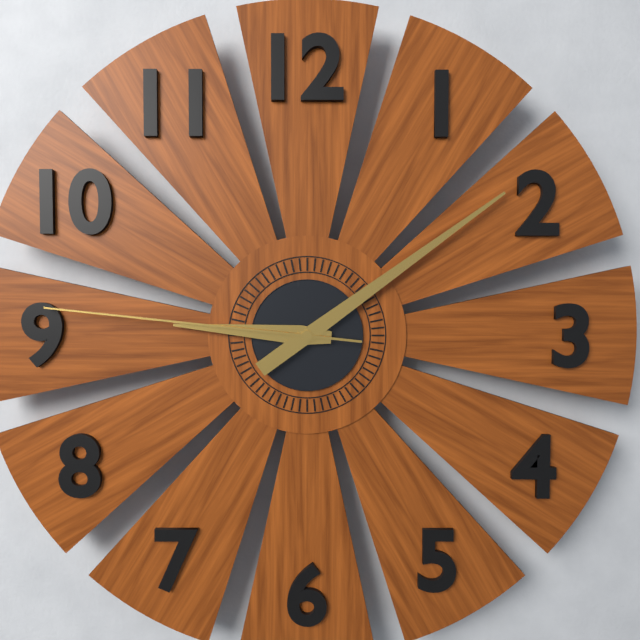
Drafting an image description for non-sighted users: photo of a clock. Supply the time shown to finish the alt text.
9:09:46
